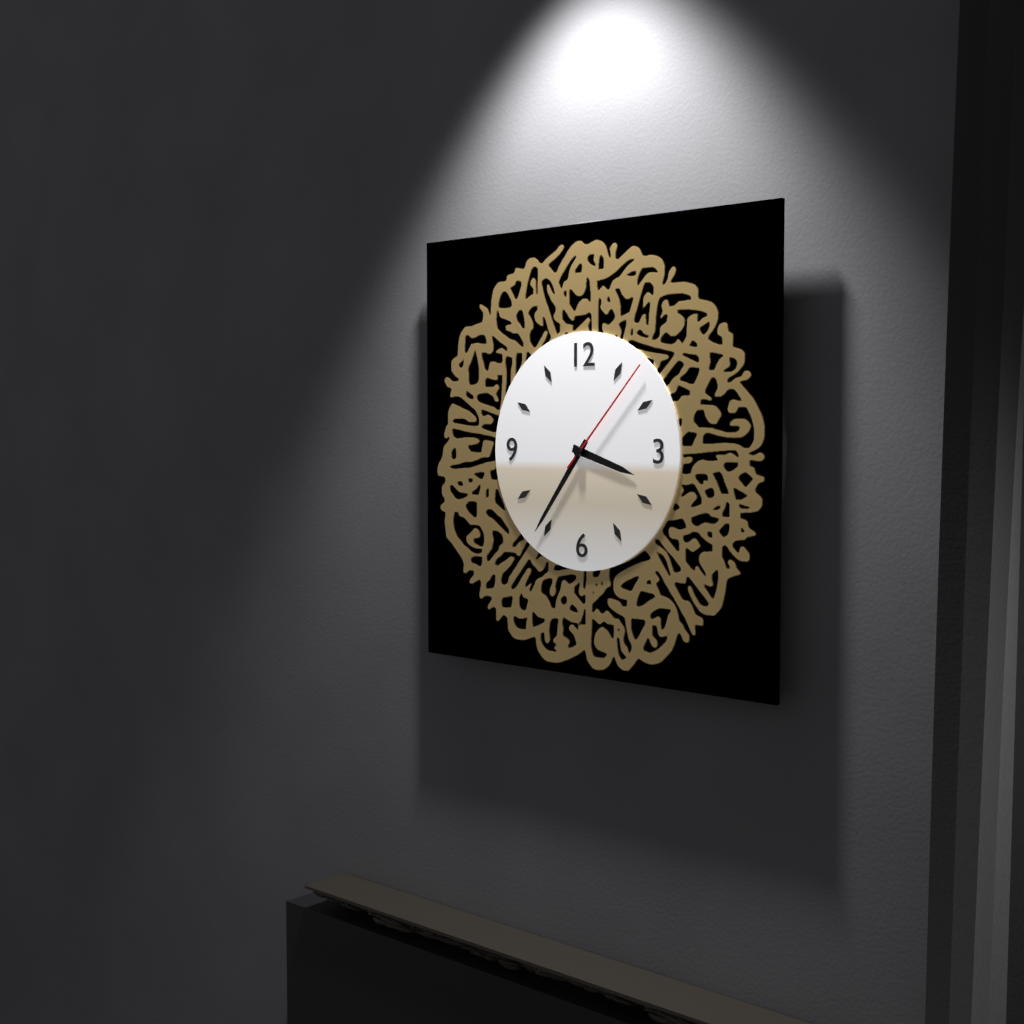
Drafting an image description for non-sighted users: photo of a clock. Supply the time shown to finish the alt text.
3:36:07
